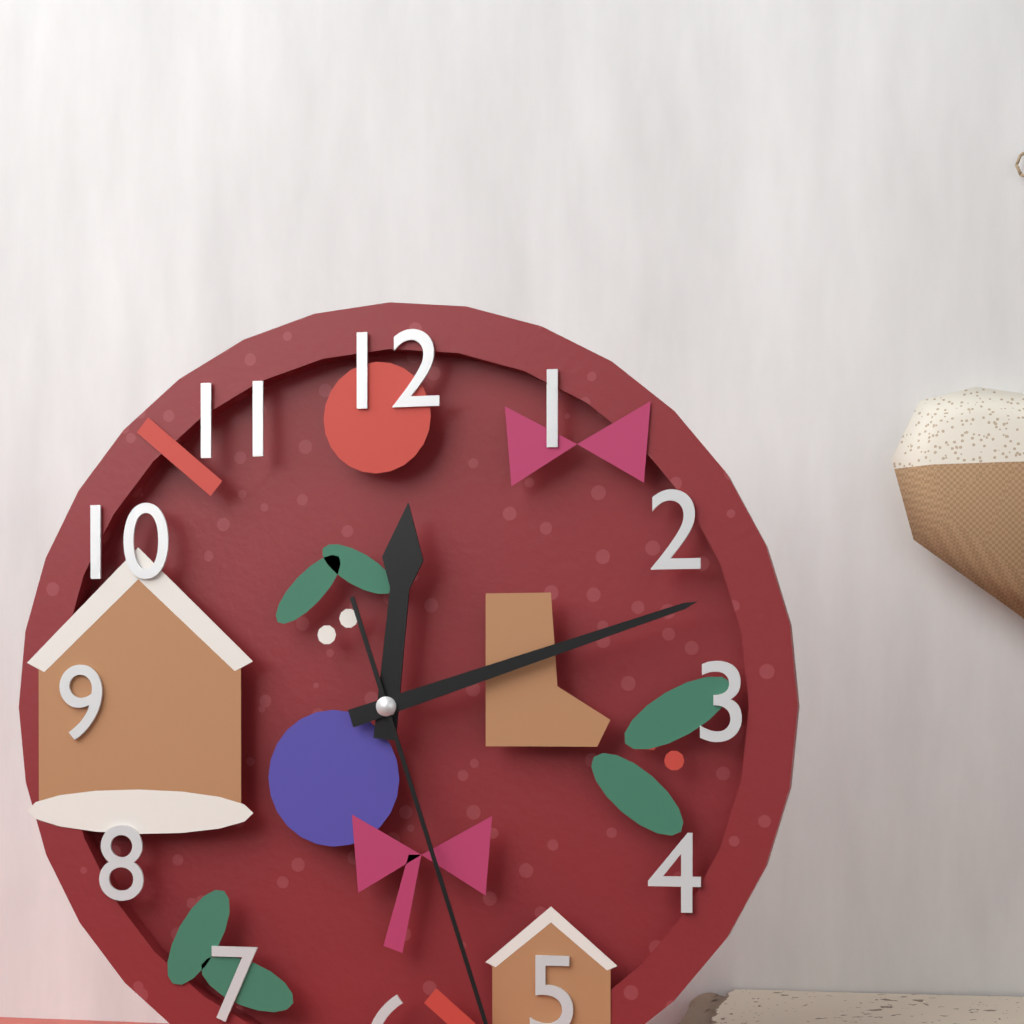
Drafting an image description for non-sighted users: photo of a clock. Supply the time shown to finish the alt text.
12:12
